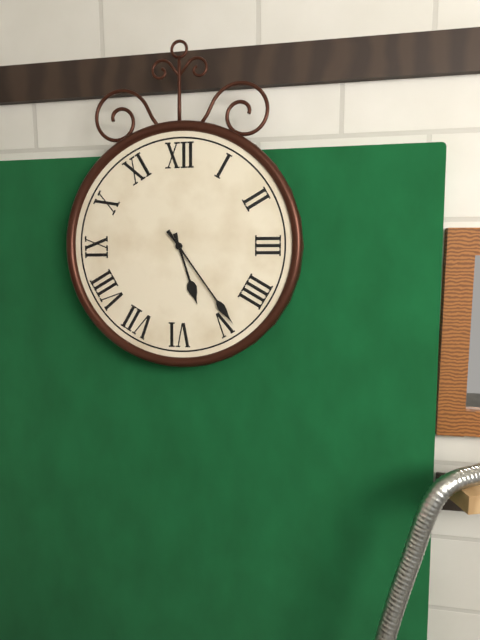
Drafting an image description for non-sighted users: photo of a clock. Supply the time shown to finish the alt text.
5:24
